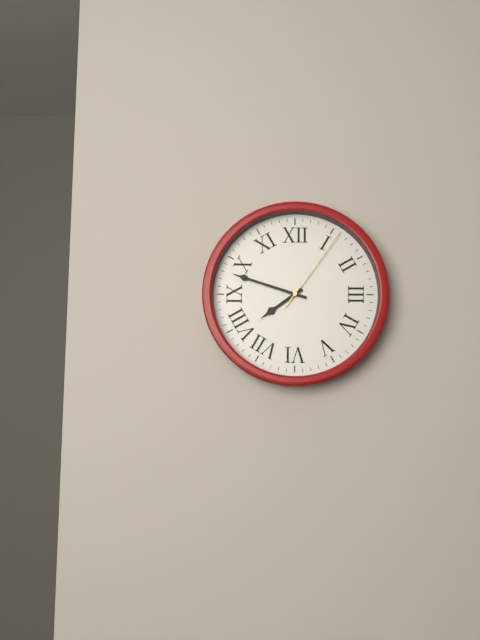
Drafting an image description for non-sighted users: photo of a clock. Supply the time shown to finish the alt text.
7:48:06
